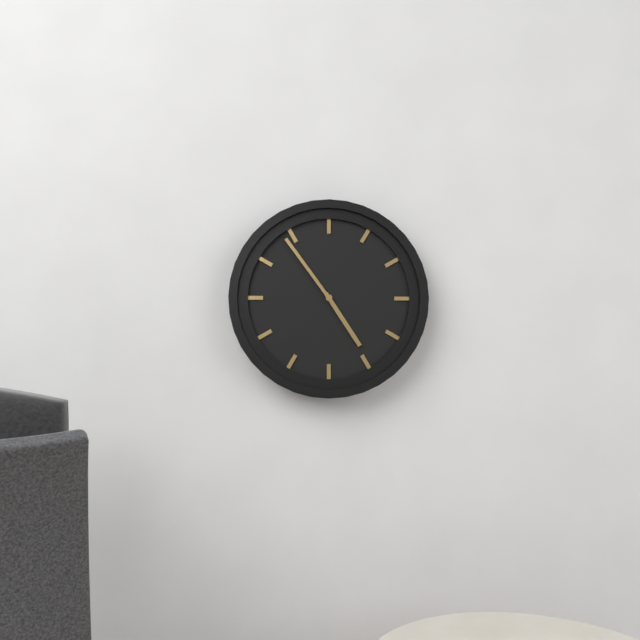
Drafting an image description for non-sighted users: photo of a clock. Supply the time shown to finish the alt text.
4:54
